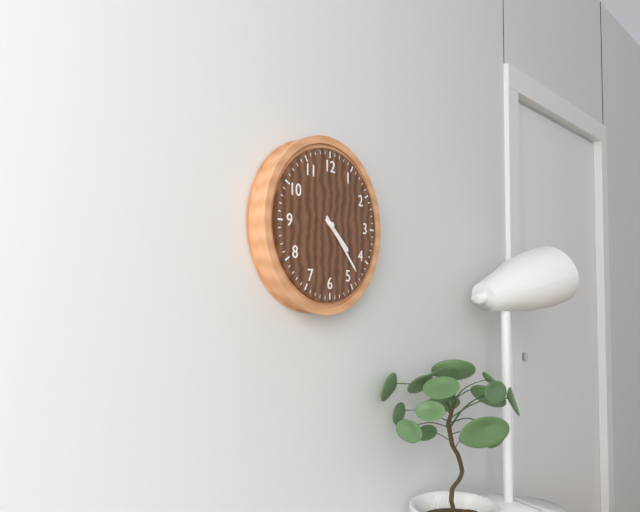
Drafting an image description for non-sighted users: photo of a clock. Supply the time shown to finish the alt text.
4:23
